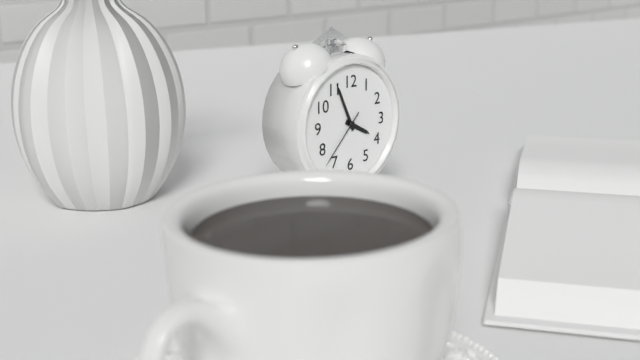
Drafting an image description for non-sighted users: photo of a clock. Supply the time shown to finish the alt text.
3:56:37
